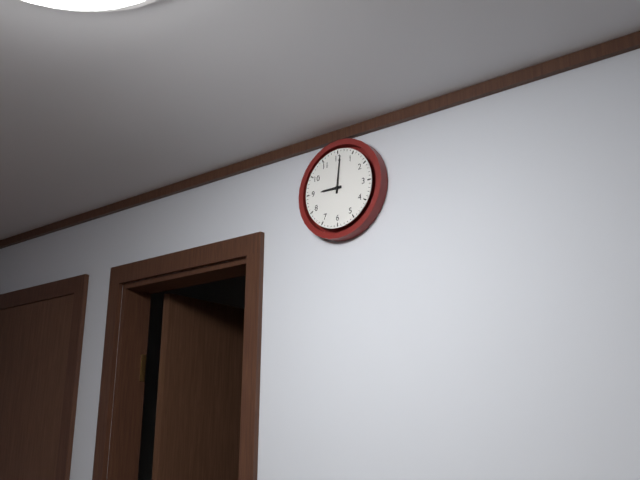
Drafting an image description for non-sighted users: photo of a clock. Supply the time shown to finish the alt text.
9:01
